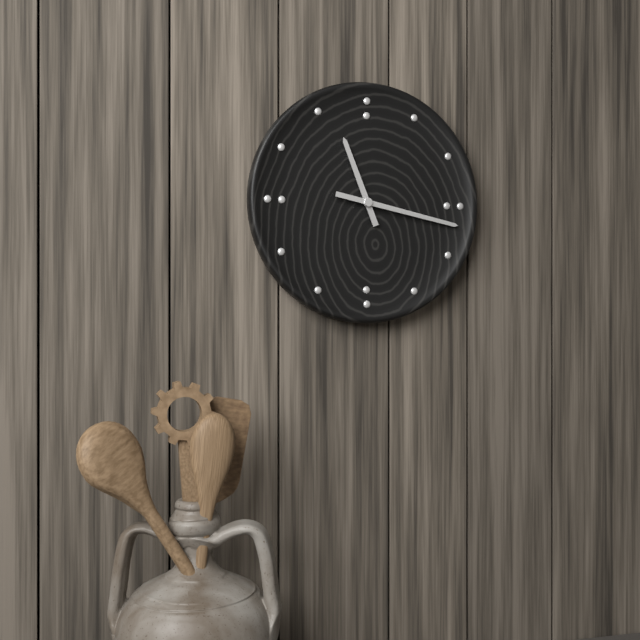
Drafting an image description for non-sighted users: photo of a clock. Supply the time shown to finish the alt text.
11:17
